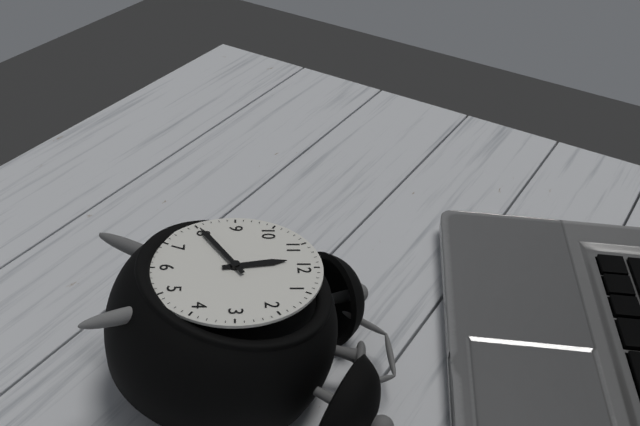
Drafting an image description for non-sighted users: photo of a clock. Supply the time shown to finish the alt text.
11:40
